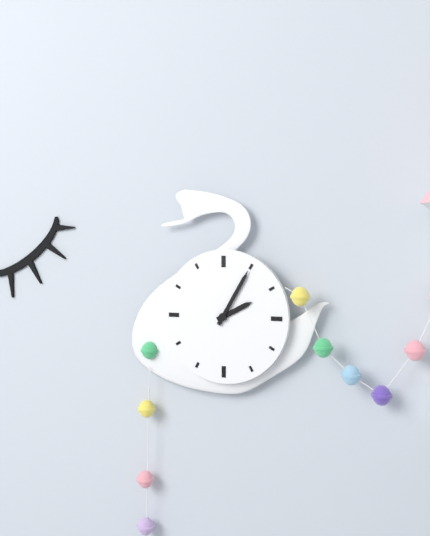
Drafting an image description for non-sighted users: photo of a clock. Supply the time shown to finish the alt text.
2:05
